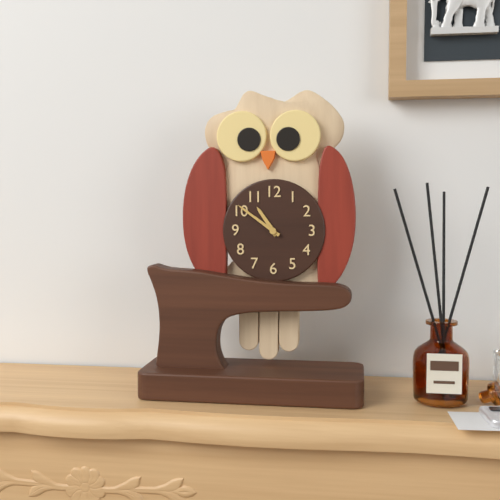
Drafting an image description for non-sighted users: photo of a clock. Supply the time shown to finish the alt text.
10:51
